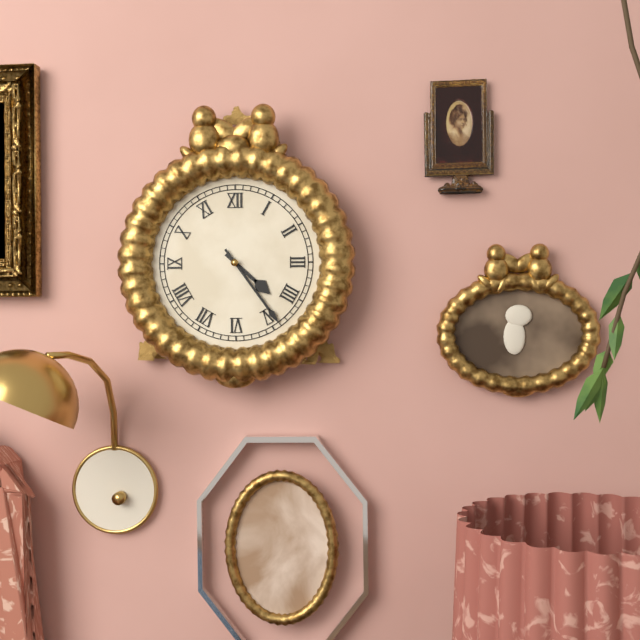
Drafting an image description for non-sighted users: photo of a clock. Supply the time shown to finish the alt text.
4:24
